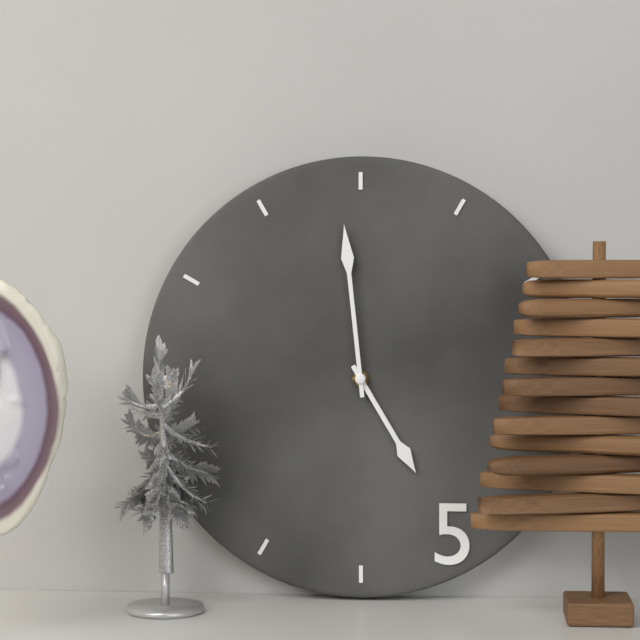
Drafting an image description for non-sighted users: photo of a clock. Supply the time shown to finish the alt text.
4:59
